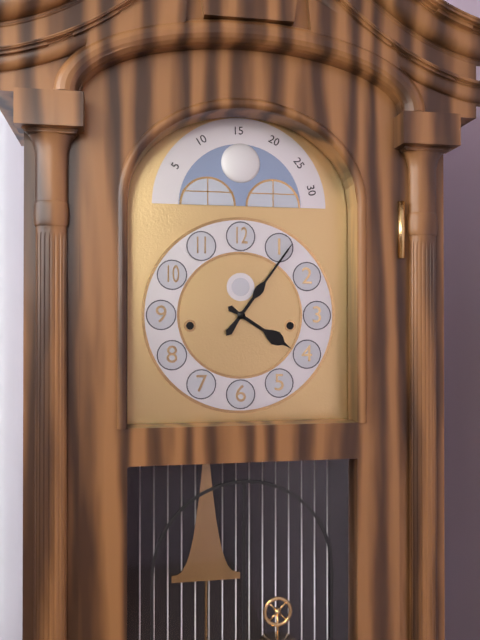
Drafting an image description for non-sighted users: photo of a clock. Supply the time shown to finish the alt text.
4:06
